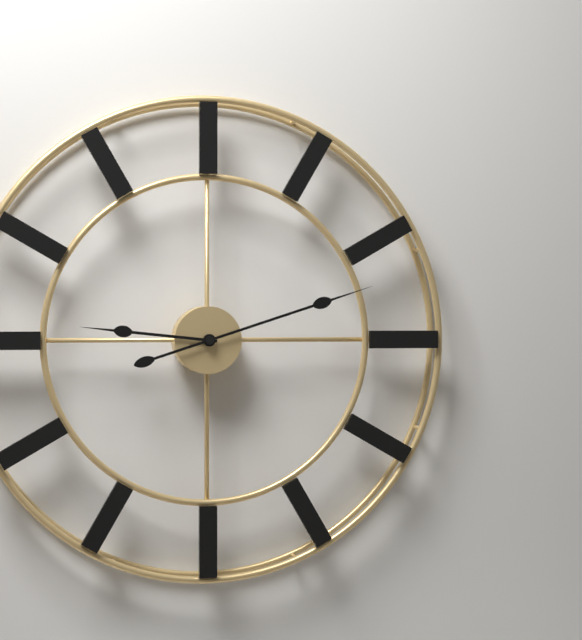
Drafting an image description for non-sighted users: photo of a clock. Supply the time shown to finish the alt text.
9:12
